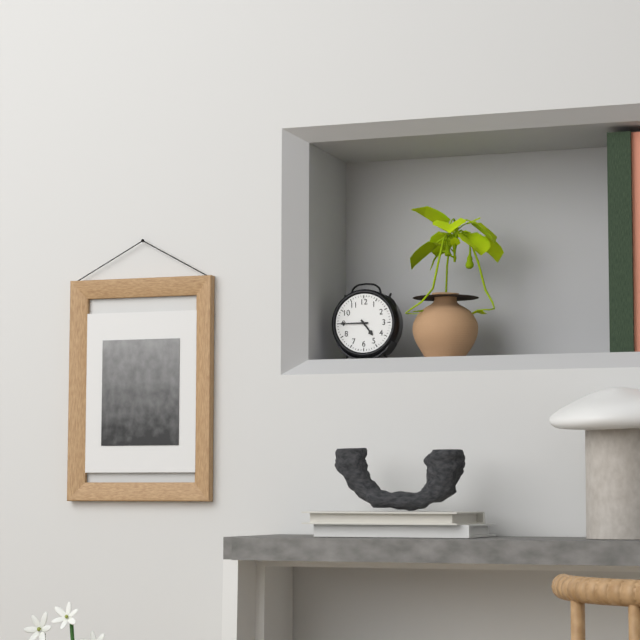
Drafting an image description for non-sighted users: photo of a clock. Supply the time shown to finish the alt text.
4:45
